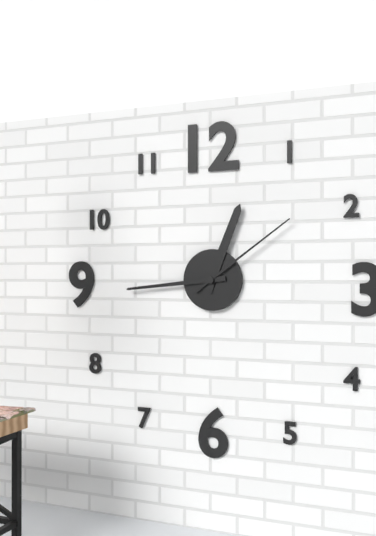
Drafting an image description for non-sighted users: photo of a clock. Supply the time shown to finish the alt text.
12:44:09
